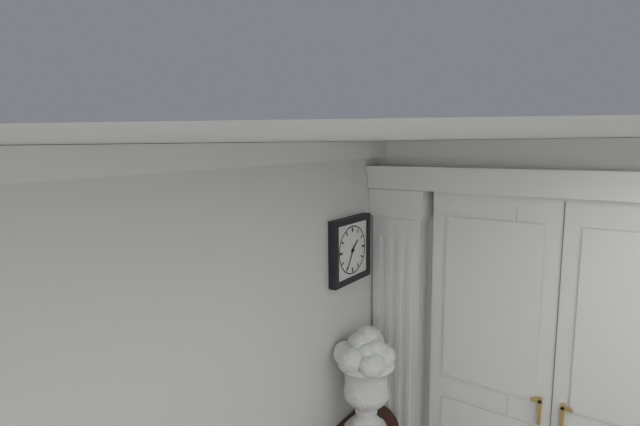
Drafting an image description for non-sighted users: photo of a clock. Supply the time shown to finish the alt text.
1:35
